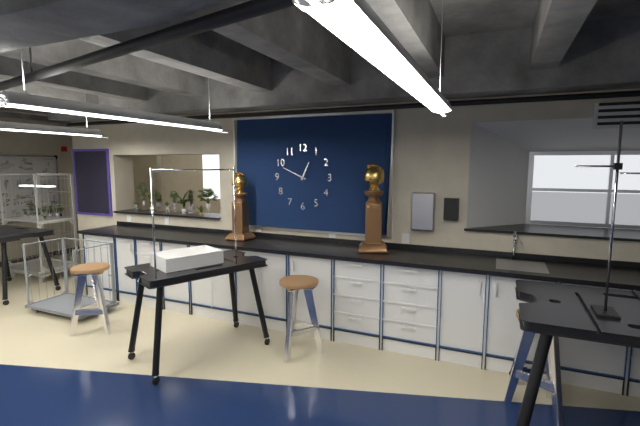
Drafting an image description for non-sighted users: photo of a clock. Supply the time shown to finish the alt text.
12:49
